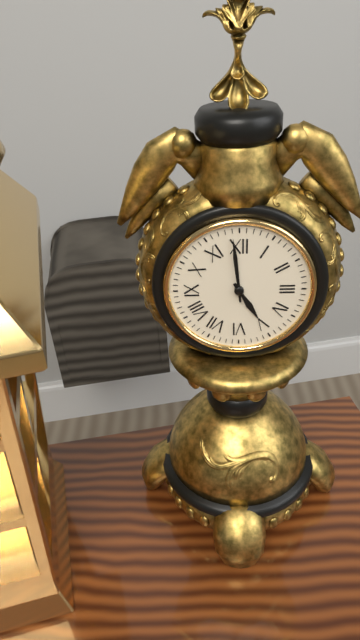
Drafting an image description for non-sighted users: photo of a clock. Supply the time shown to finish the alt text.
4:59
